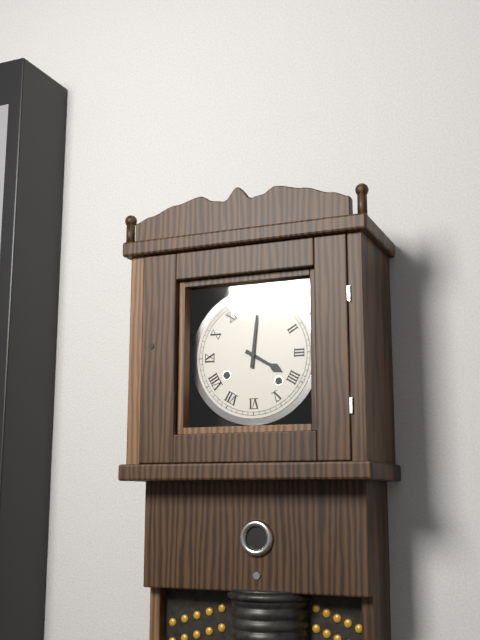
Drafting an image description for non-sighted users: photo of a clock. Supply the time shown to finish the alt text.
4:01
